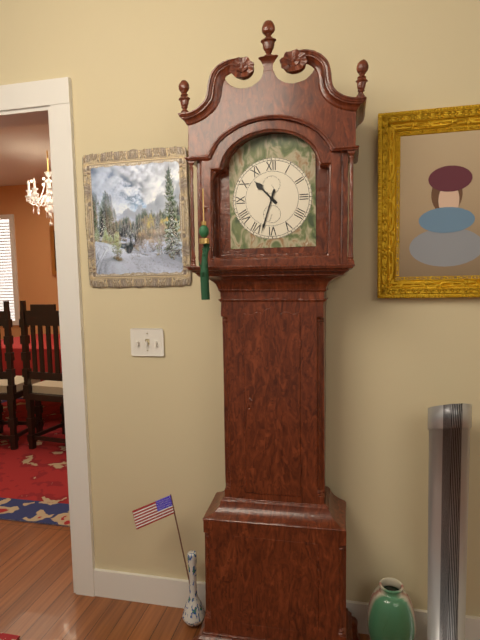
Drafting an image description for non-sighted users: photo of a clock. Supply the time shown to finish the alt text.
10:33
